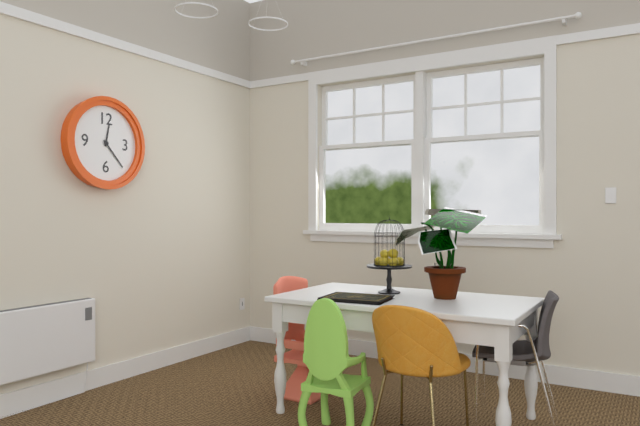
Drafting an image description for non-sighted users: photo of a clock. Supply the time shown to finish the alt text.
12:23
